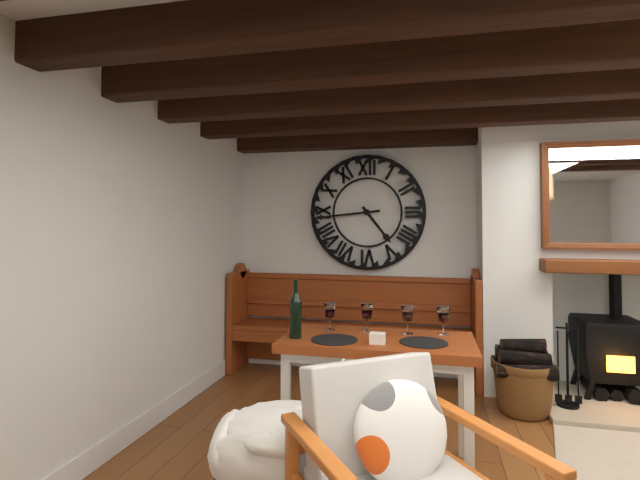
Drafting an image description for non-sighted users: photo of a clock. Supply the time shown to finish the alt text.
4:44
